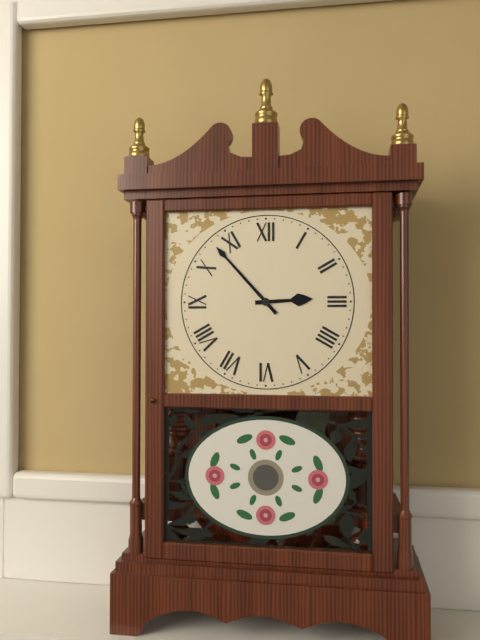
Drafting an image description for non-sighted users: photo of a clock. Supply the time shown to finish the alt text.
2:53
